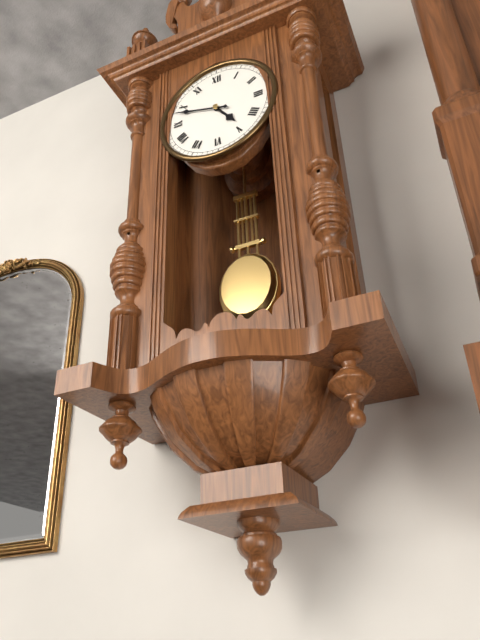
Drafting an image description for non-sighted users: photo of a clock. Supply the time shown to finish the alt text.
4:48
